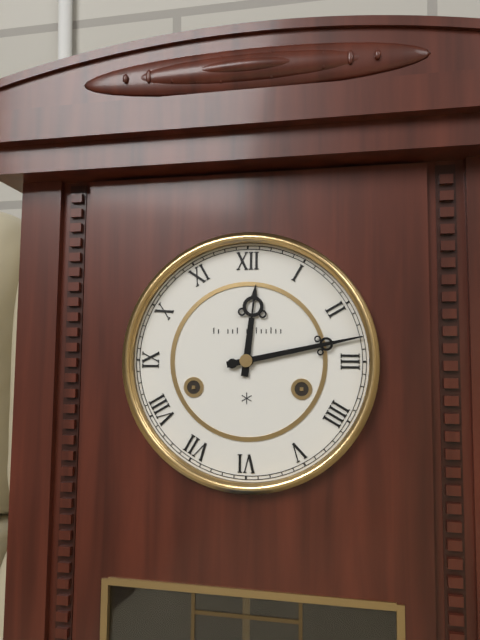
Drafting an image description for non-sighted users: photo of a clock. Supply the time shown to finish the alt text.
12:13
